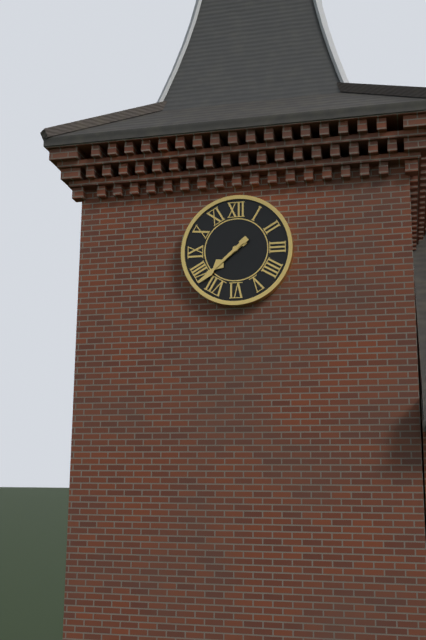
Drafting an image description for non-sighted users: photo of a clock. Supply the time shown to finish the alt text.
7:38
